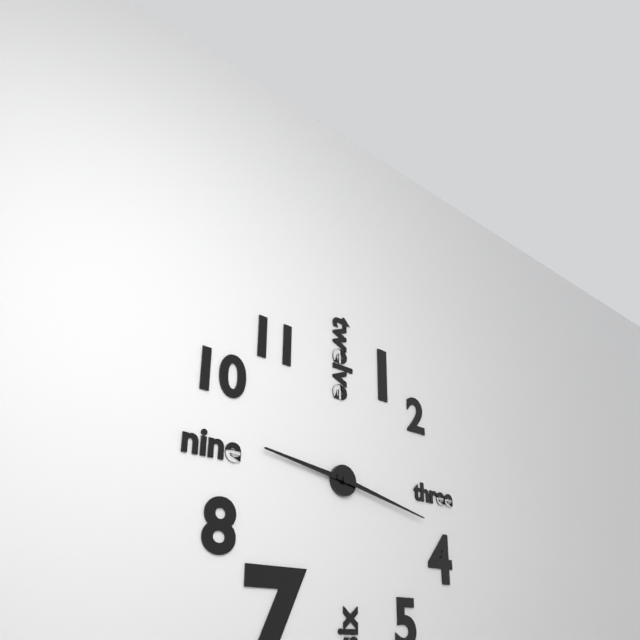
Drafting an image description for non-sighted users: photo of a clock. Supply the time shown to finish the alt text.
9:17
